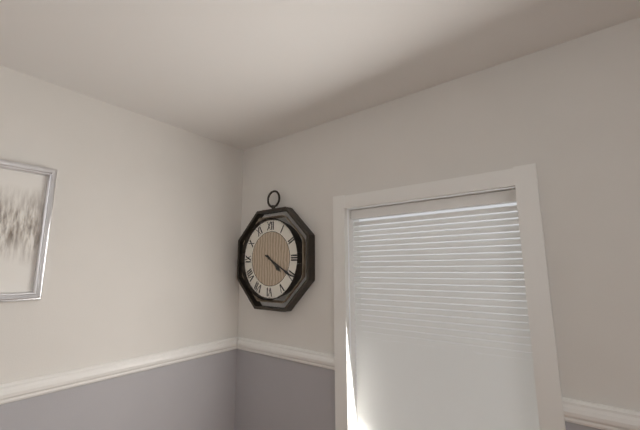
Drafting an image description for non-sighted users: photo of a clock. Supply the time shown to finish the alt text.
4:20
